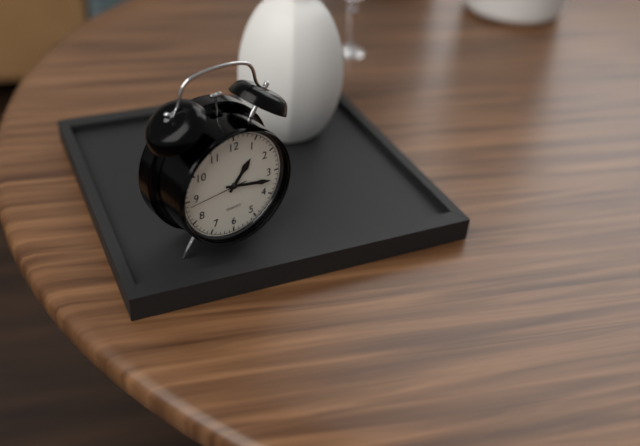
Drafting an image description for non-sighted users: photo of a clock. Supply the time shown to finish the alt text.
1:17:44
